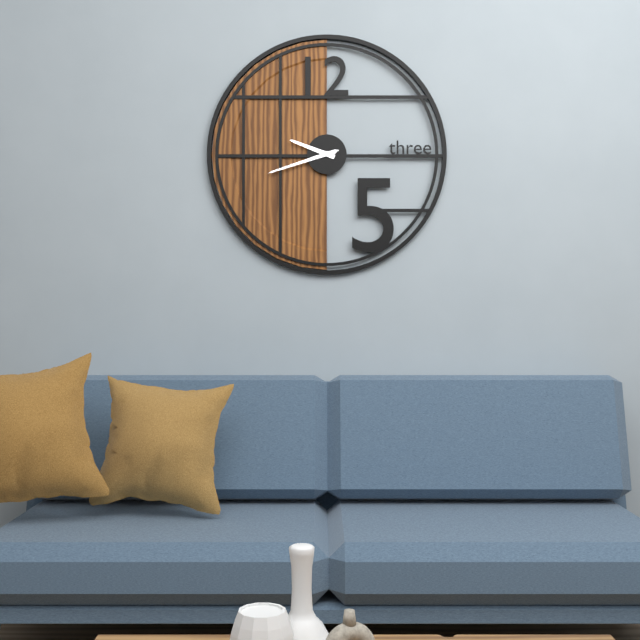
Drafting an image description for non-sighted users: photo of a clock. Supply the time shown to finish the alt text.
9:42:42
